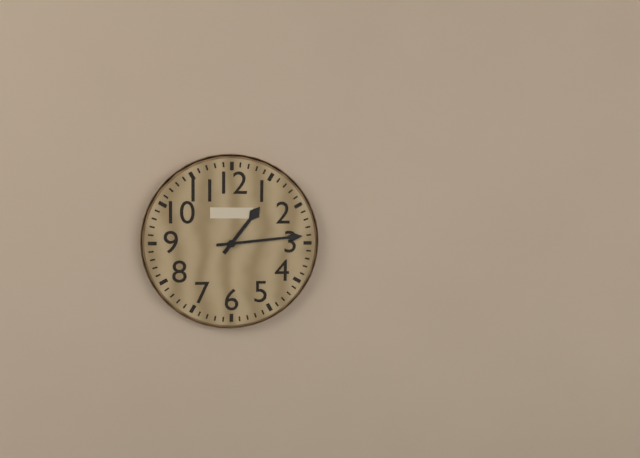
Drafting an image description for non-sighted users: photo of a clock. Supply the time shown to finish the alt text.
1:14
